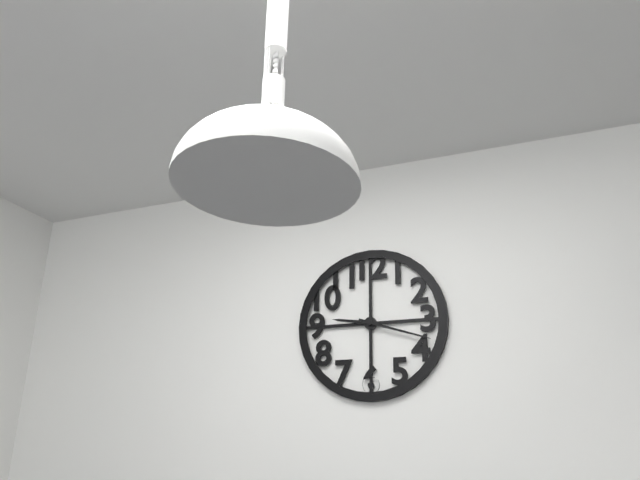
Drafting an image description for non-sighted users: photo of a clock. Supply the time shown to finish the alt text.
9:18
